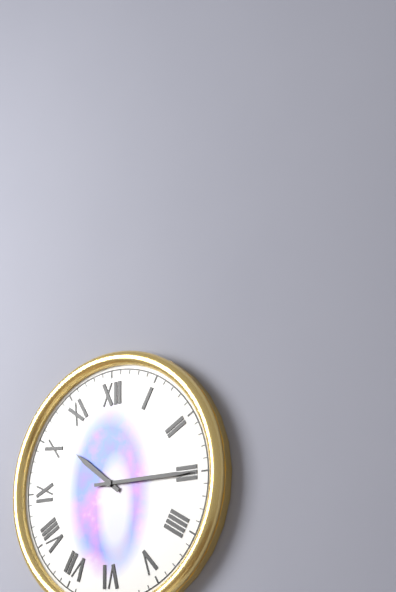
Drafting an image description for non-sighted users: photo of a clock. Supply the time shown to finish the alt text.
10:15
